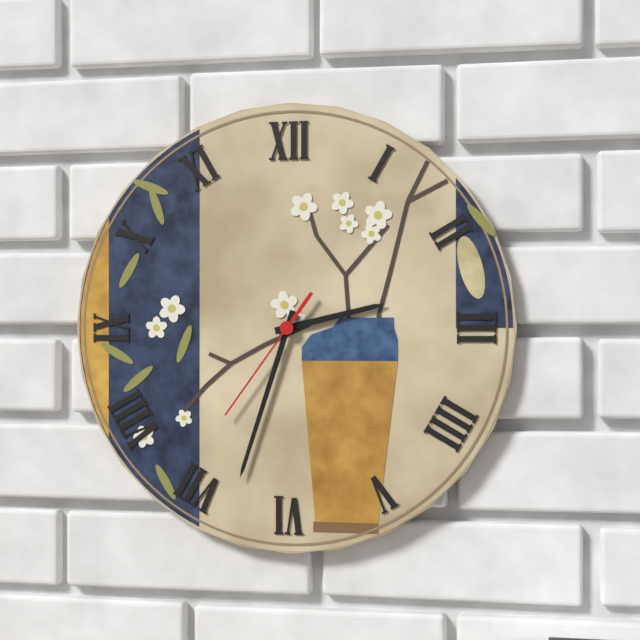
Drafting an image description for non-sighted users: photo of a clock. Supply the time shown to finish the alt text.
2:33:36
